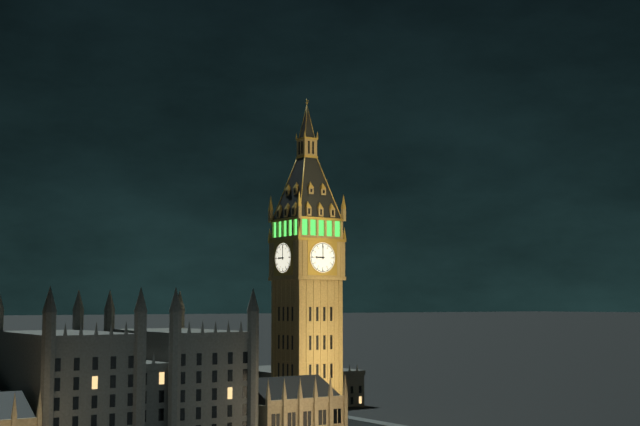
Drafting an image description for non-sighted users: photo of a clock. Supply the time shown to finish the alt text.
9:00
